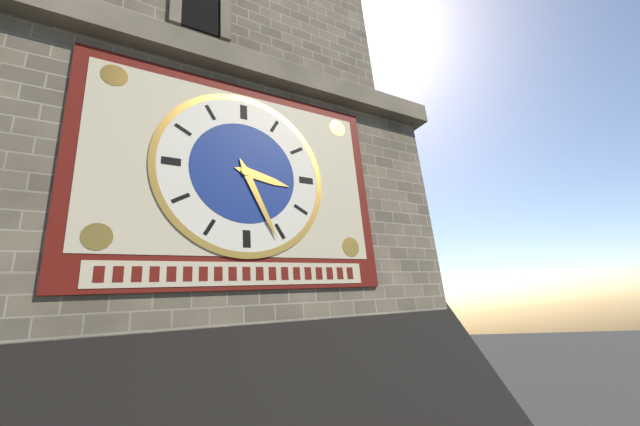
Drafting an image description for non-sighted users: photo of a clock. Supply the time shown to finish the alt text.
3:26
